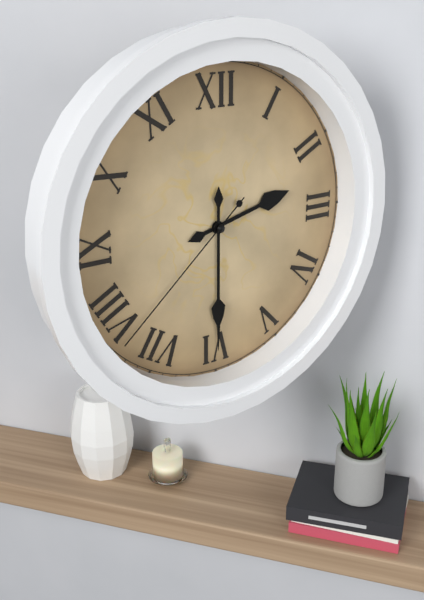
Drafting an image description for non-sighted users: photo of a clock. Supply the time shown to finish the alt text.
2:30:38
